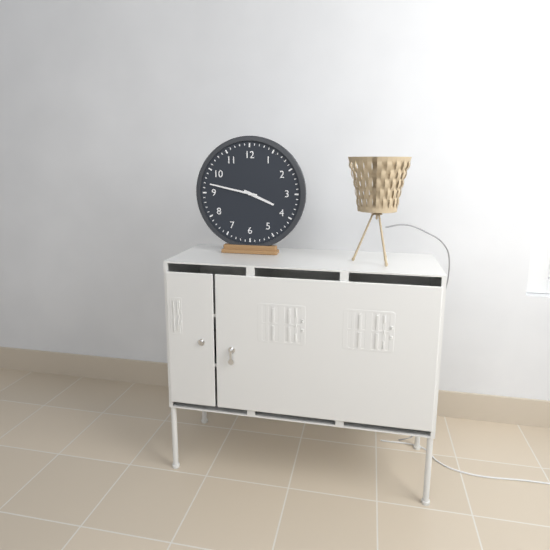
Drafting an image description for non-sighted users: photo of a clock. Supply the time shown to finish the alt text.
3:47
